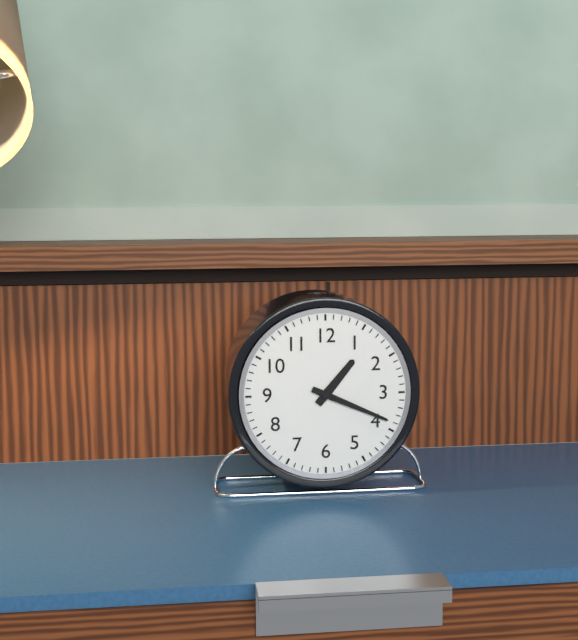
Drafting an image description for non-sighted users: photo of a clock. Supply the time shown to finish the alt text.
1:19
